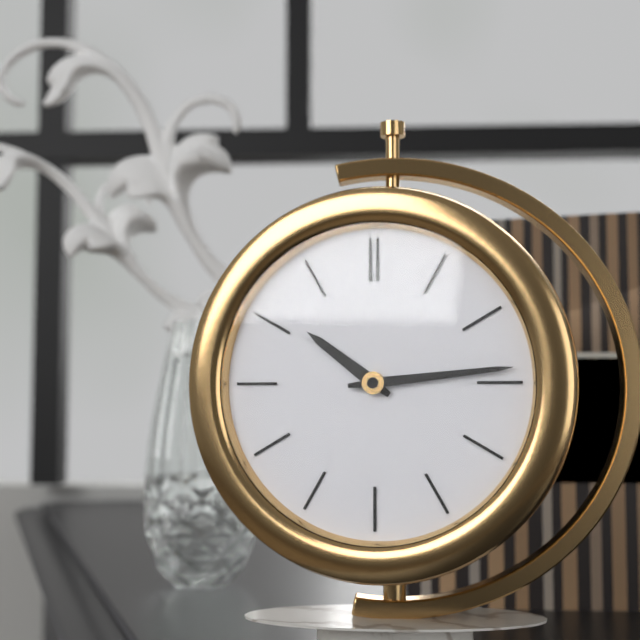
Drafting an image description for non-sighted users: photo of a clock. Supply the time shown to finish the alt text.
10:14
